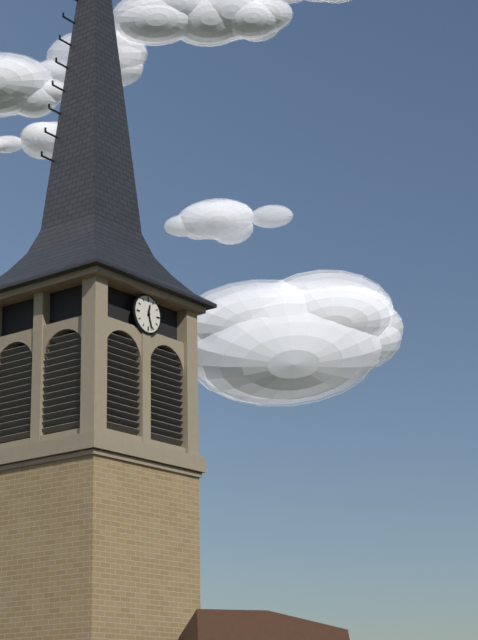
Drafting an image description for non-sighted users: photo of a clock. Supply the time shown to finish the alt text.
12:27
